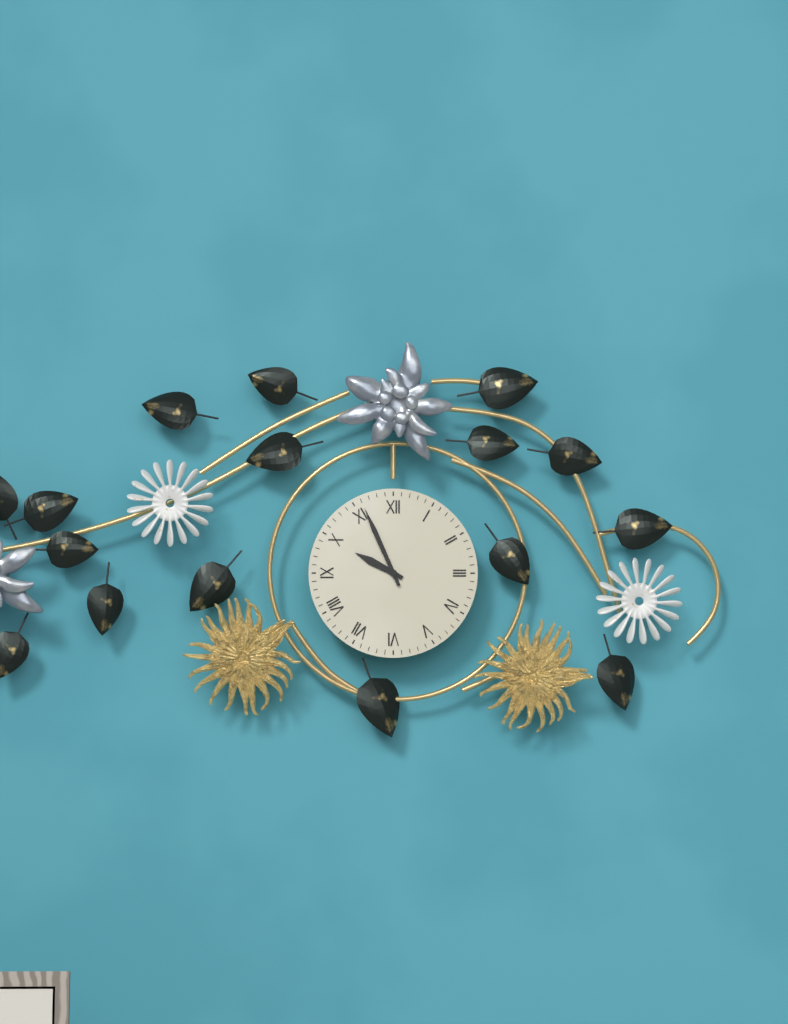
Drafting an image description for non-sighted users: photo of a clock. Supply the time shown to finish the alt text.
9:56
